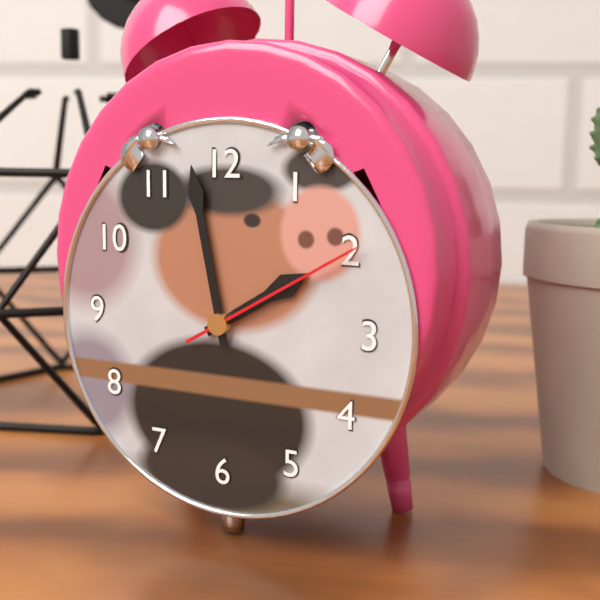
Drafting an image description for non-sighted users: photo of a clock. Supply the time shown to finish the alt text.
1:58:10
